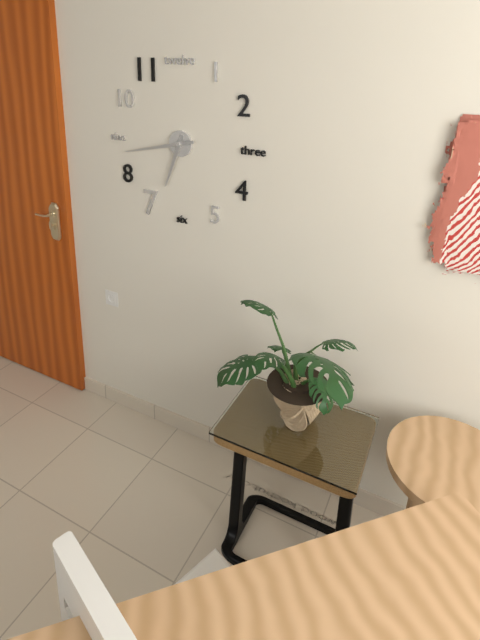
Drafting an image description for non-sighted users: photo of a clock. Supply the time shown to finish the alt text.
6:43
